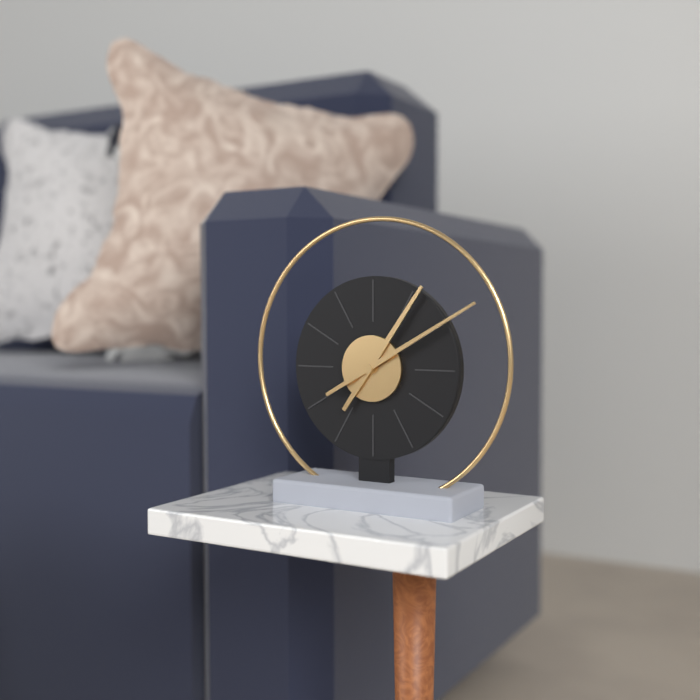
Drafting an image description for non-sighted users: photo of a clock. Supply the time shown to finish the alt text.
1:10
